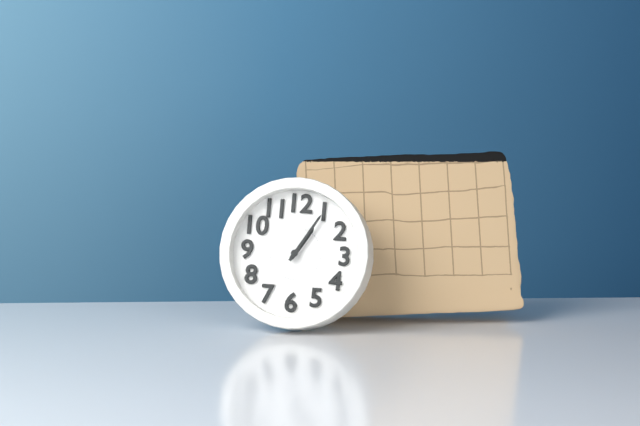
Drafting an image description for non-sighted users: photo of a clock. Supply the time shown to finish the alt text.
1:05
